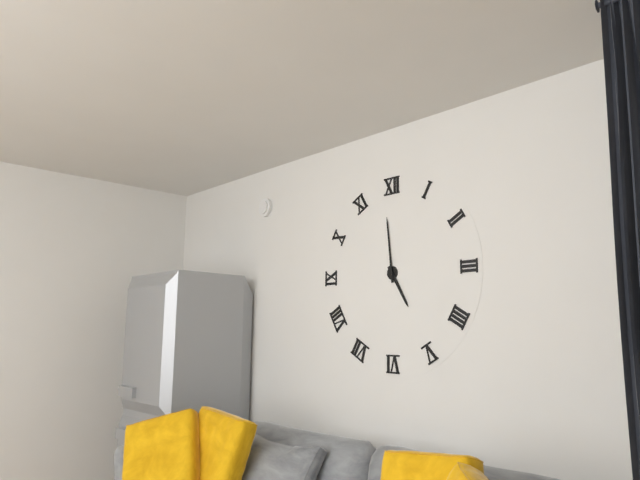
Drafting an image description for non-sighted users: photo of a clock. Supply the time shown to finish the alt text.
4:59
